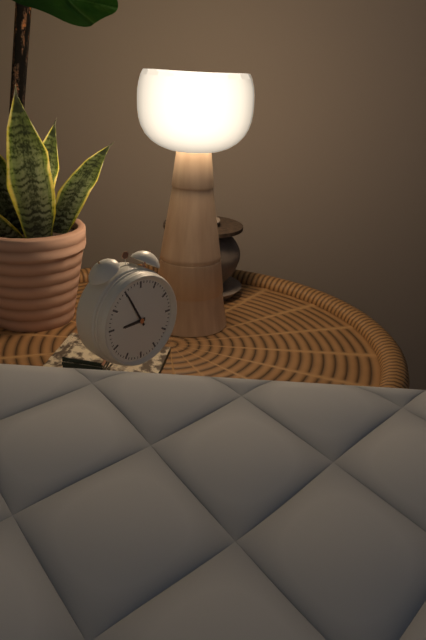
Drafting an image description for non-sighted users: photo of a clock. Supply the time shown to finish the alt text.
8:55
